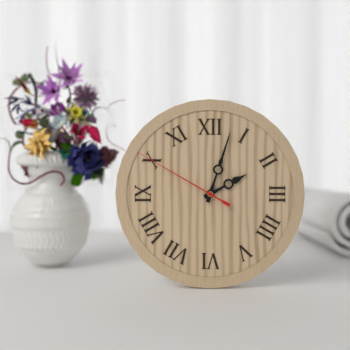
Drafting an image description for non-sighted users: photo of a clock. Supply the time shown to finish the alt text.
2:03:50
